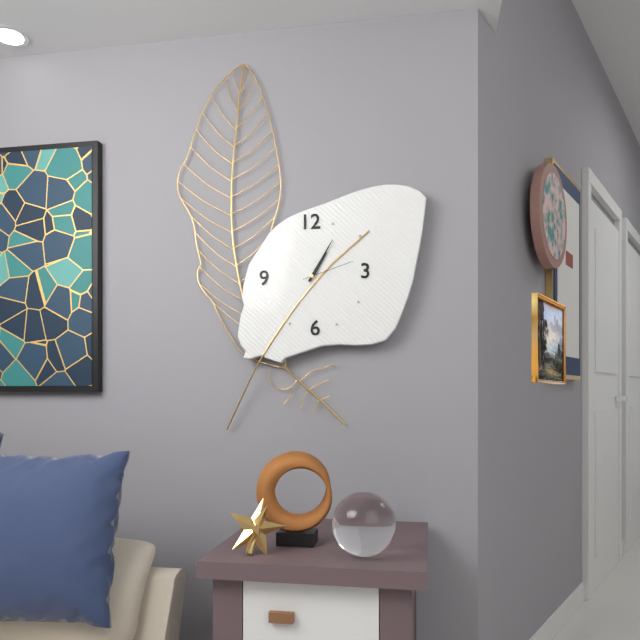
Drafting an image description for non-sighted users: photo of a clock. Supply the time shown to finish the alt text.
1:05:12
